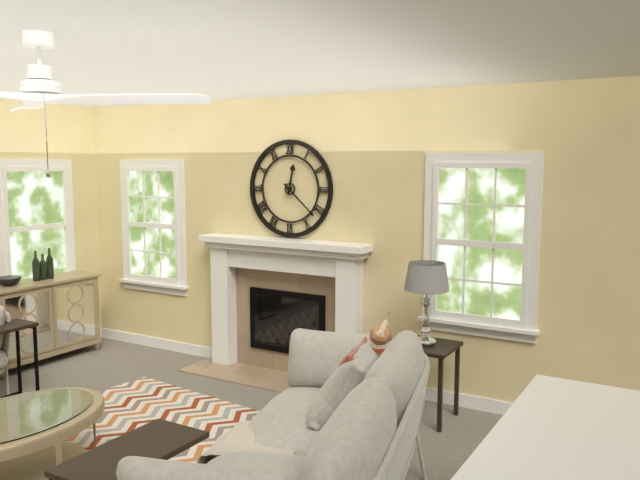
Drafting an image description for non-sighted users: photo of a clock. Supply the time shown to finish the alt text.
12:22
